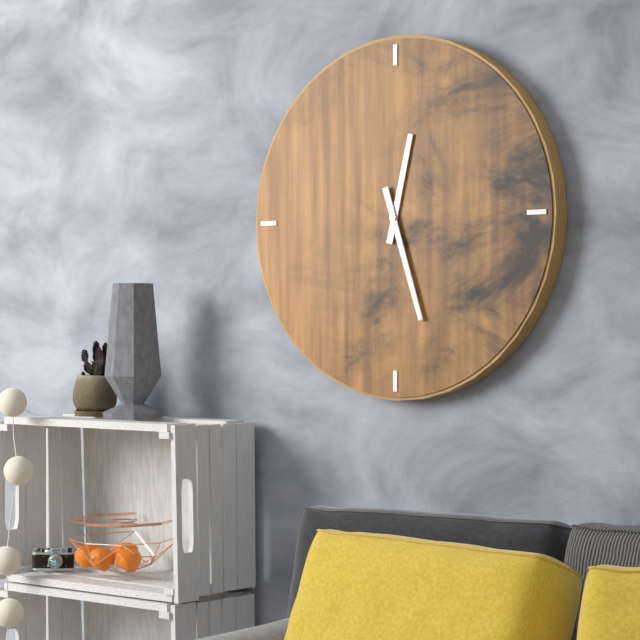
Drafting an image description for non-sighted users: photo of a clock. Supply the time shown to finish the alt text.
12:27
